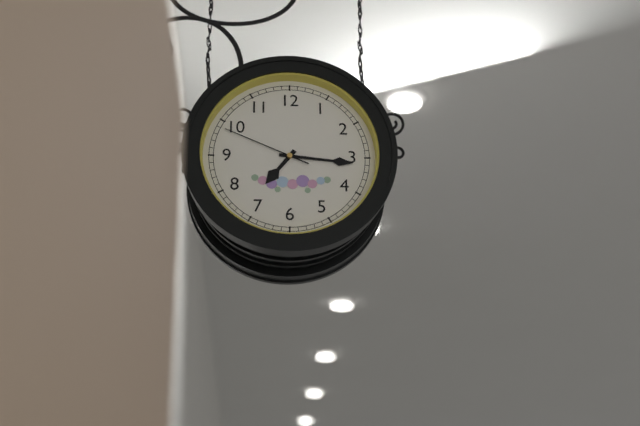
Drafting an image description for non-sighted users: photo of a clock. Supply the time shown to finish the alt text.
7:16:49
